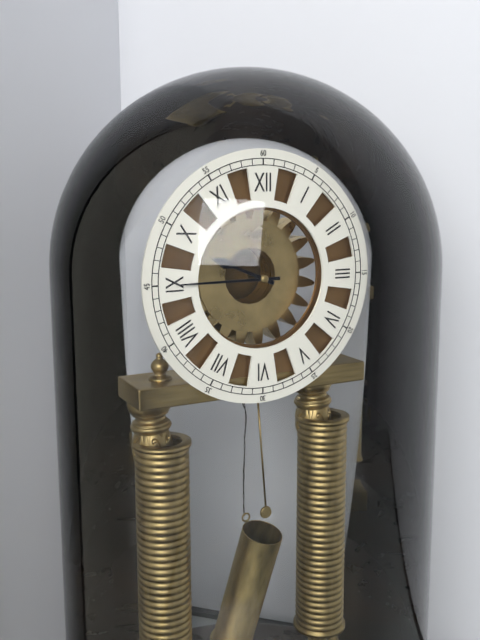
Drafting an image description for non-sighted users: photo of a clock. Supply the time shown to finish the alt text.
9:45
